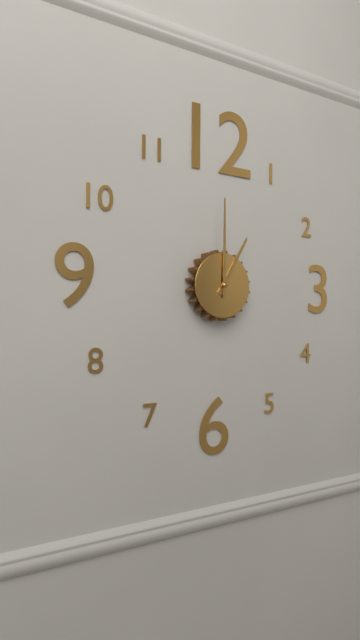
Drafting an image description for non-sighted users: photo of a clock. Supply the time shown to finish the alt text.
1:00
